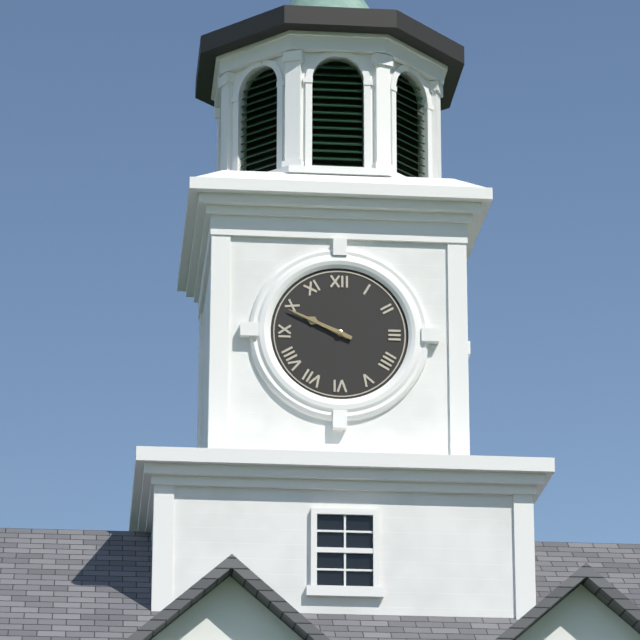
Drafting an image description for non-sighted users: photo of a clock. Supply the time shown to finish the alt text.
9:49
